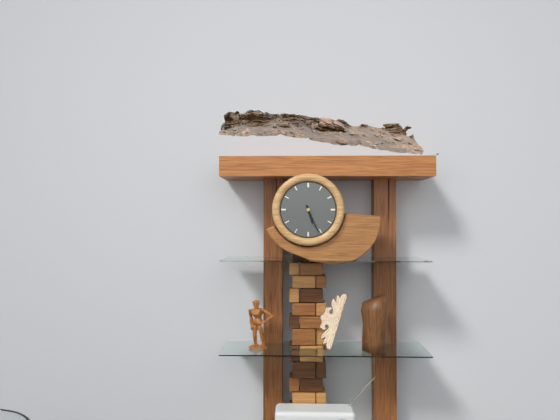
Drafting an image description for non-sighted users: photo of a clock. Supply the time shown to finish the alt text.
5:26
